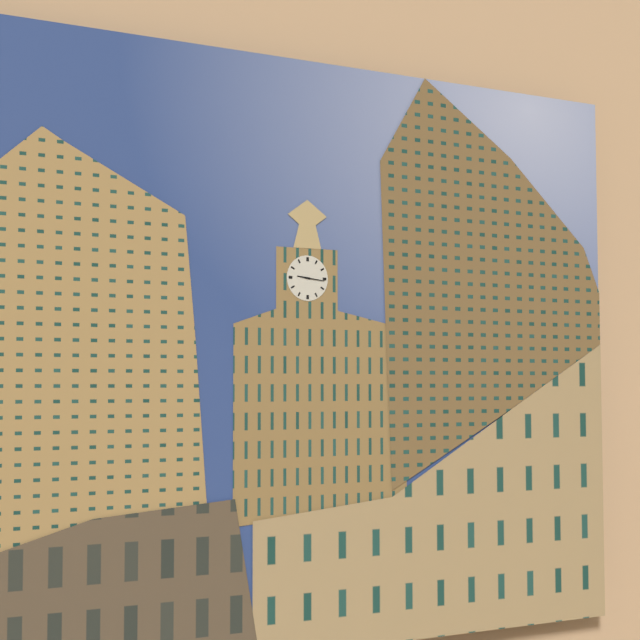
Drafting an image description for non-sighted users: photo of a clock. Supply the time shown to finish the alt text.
9:16
